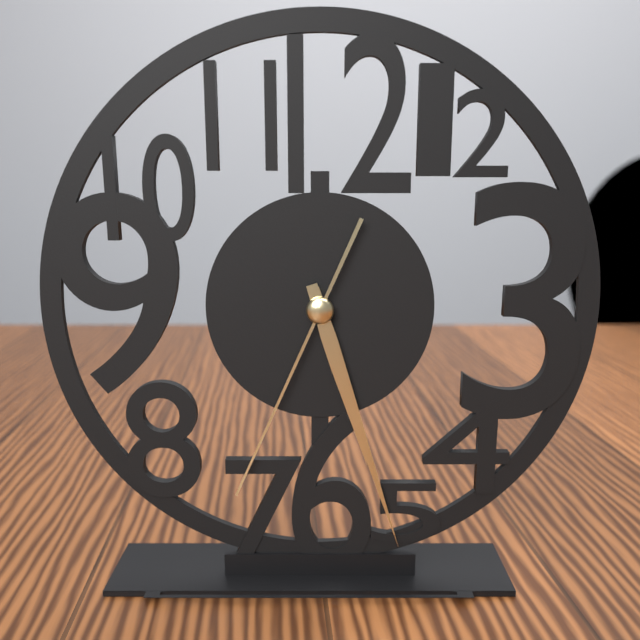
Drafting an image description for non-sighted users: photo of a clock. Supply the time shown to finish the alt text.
5:27:34
